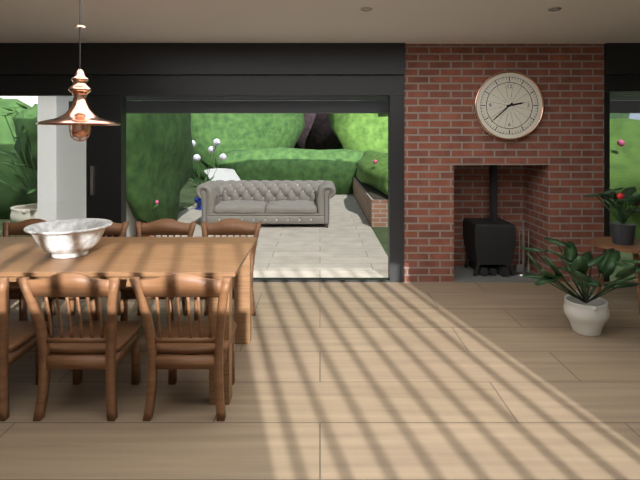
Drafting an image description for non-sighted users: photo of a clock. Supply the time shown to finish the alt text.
2:38
